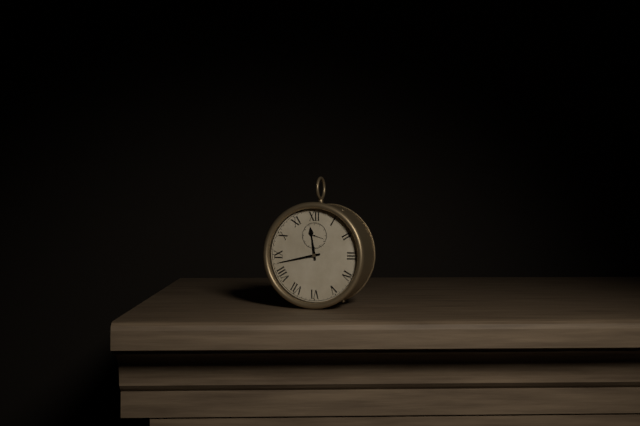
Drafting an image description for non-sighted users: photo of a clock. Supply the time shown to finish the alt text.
11:43
